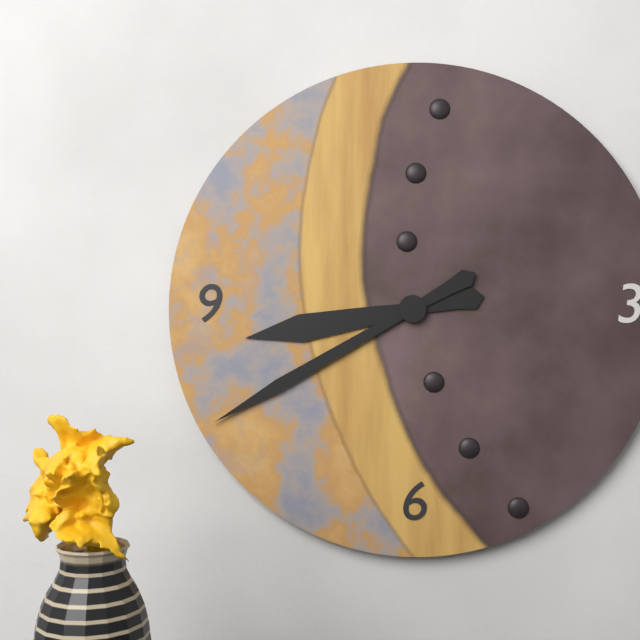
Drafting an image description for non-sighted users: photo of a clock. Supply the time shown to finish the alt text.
8:40
